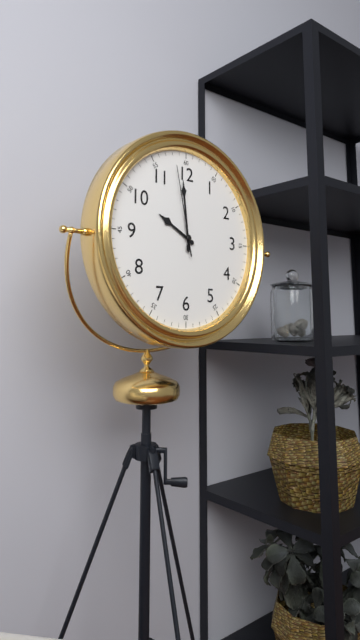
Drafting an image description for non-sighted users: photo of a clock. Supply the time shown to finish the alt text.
9:59:58
